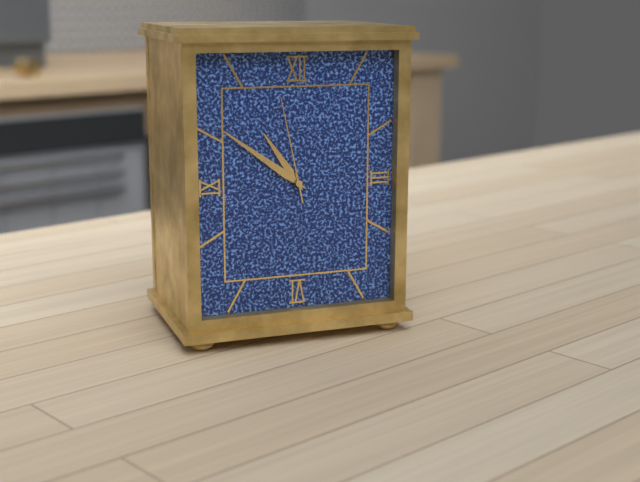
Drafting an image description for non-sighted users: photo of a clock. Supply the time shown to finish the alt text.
10:51:58
